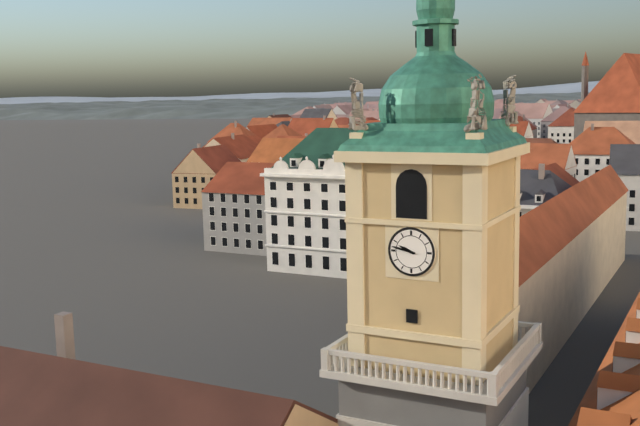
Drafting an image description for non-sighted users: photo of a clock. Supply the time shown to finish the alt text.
9:47
